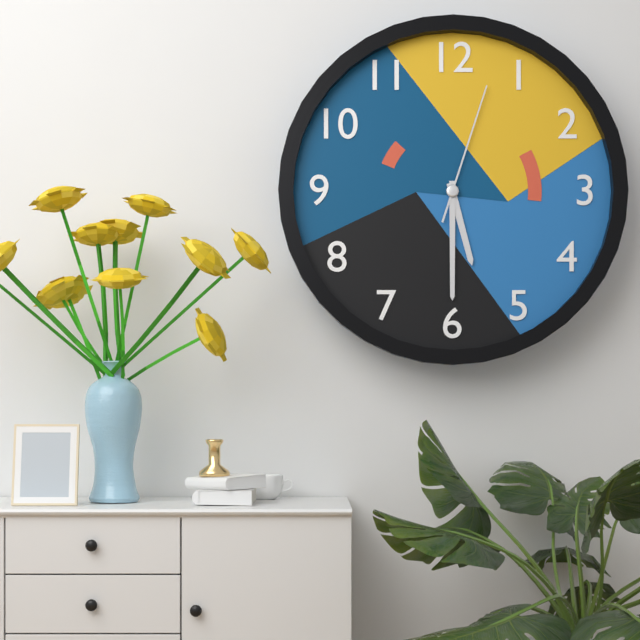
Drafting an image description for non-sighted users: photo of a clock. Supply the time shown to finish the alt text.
5:30:03
